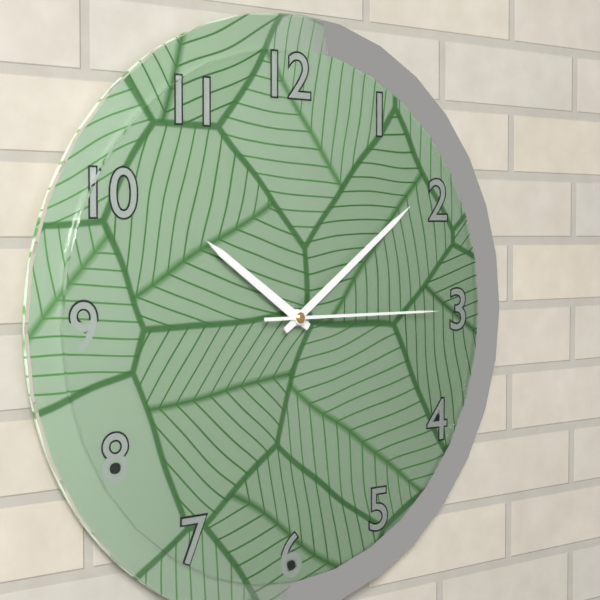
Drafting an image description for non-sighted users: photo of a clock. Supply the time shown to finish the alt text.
10:09:15
